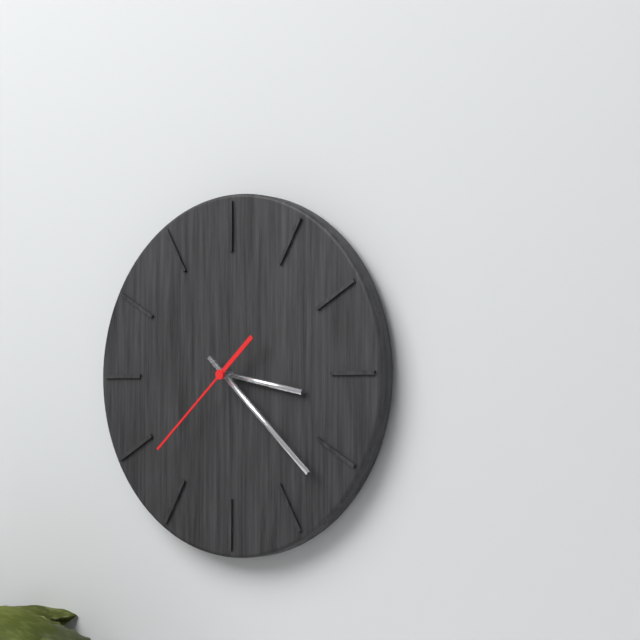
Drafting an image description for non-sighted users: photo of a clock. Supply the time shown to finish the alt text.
3:22:38
